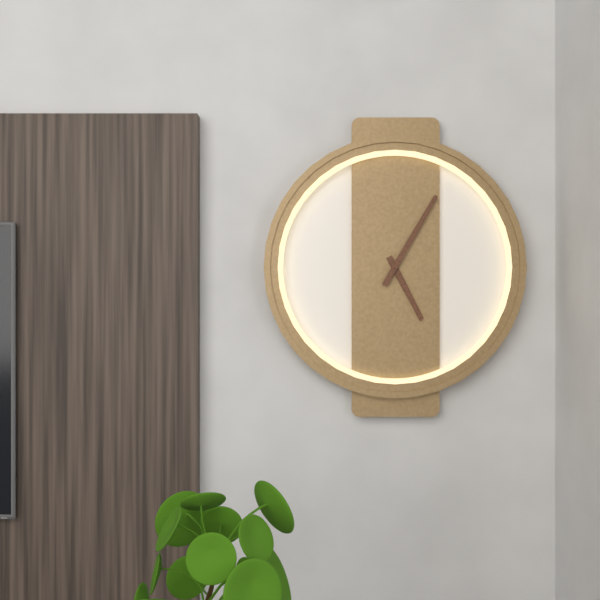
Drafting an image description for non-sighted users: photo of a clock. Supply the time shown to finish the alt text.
5:05
